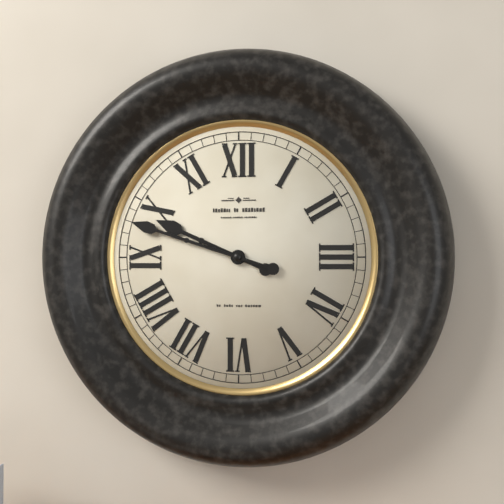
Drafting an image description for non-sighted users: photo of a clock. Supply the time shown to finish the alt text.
9:48
